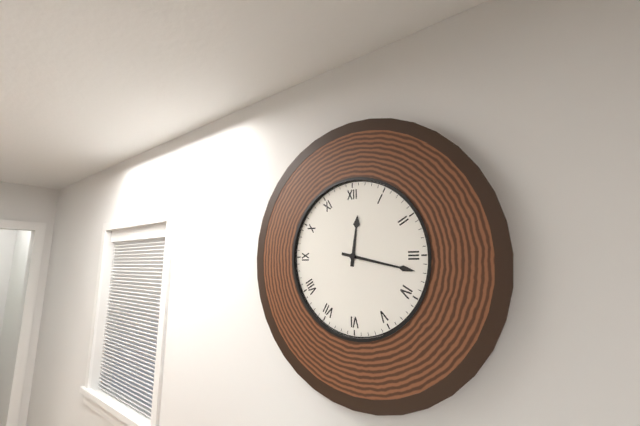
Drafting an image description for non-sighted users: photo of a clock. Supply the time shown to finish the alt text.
12:17
